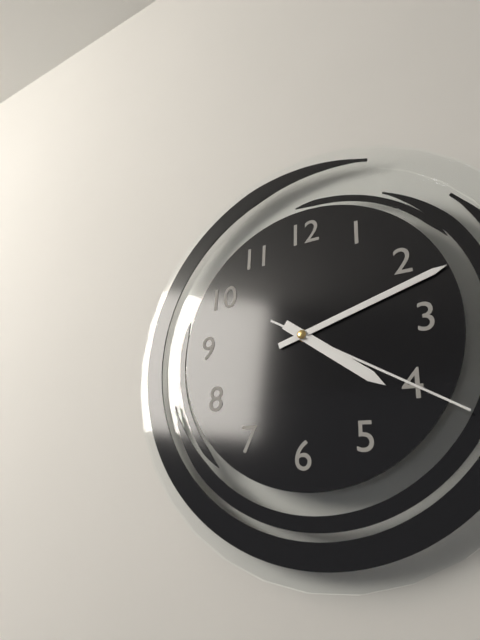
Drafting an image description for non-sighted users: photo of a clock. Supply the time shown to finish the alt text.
4:12:20
